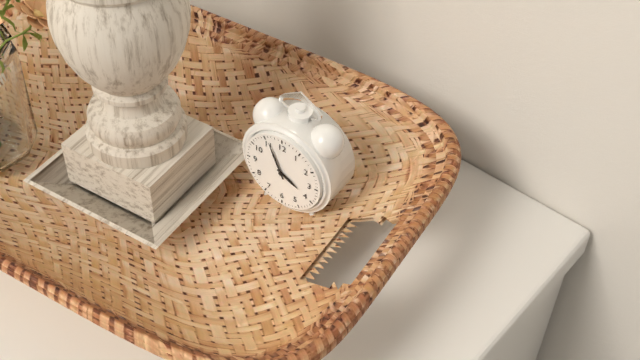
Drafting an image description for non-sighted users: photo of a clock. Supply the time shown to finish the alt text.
3:56
